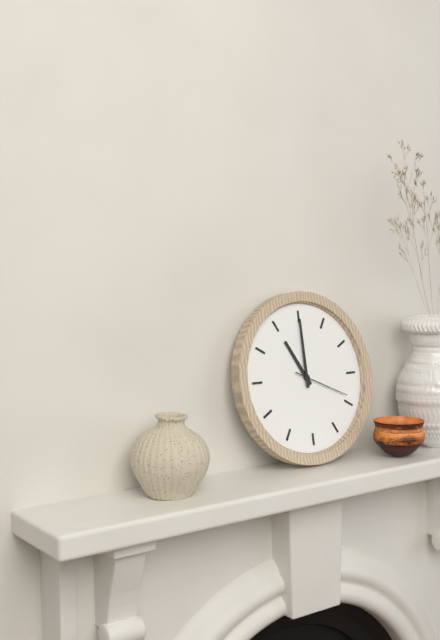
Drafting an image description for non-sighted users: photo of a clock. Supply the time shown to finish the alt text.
11:00:19
